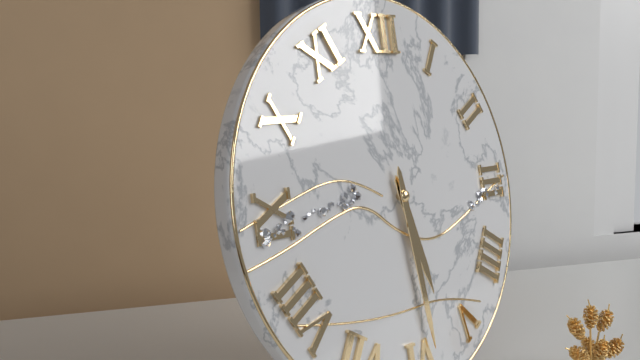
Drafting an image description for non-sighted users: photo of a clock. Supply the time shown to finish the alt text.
5:29
